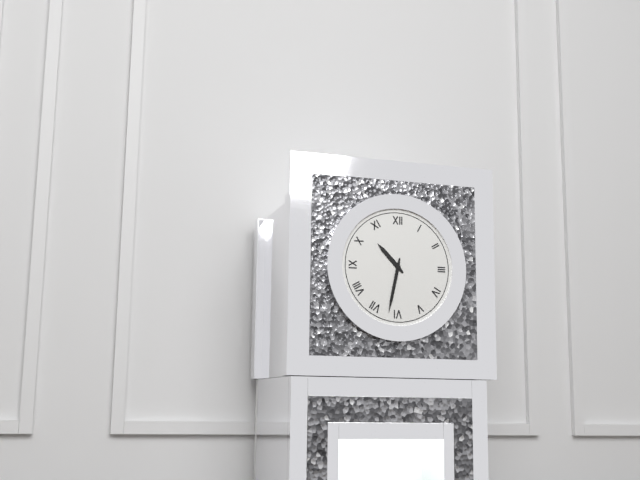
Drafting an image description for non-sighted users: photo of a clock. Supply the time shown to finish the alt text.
10:32
